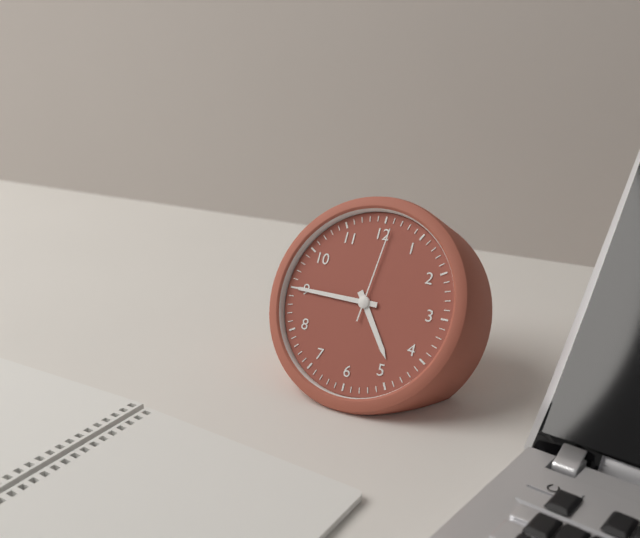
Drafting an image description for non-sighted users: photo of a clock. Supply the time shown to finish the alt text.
4:45:01
